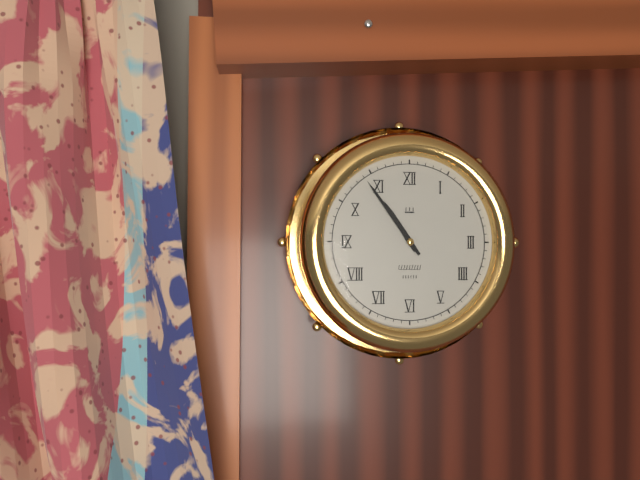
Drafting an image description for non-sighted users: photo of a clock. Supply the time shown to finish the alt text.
10:54
